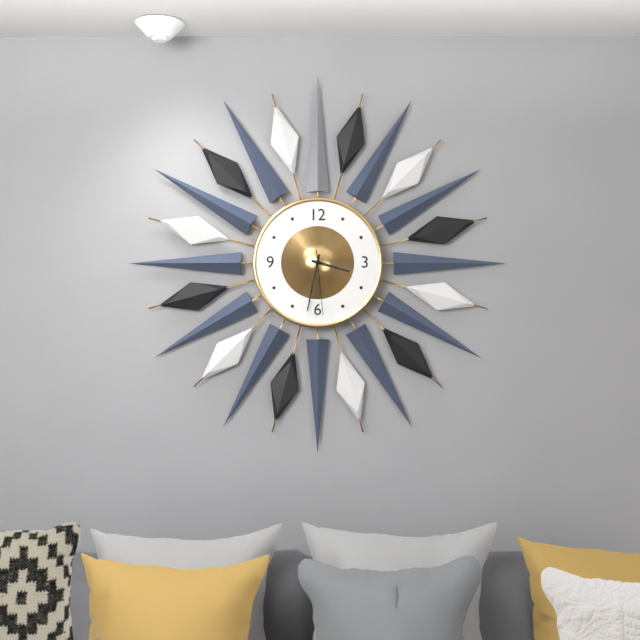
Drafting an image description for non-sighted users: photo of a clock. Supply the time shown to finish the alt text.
3:32:29
